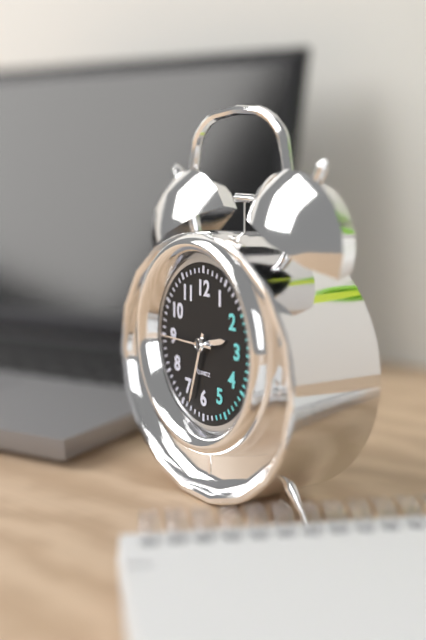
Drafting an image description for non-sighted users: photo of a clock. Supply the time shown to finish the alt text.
2:33:45
